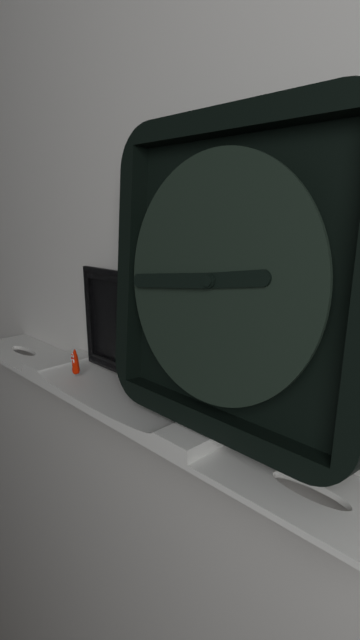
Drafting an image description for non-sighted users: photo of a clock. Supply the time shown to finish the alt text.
2:44
